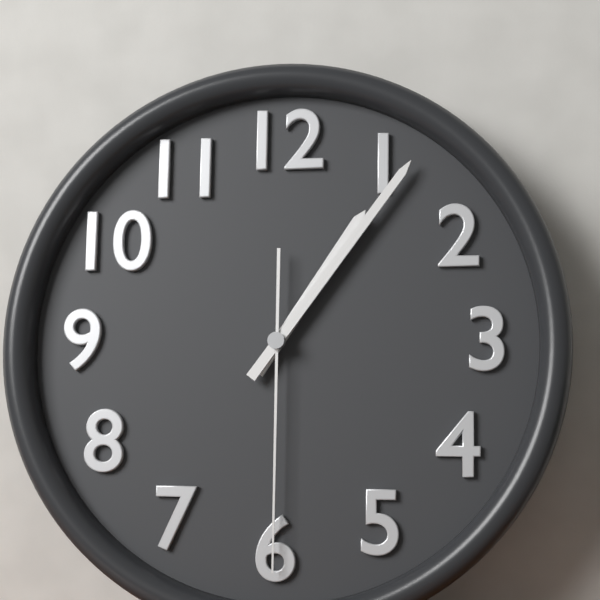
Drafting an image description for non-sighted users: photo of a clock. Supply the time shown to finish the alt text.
1:06:30
